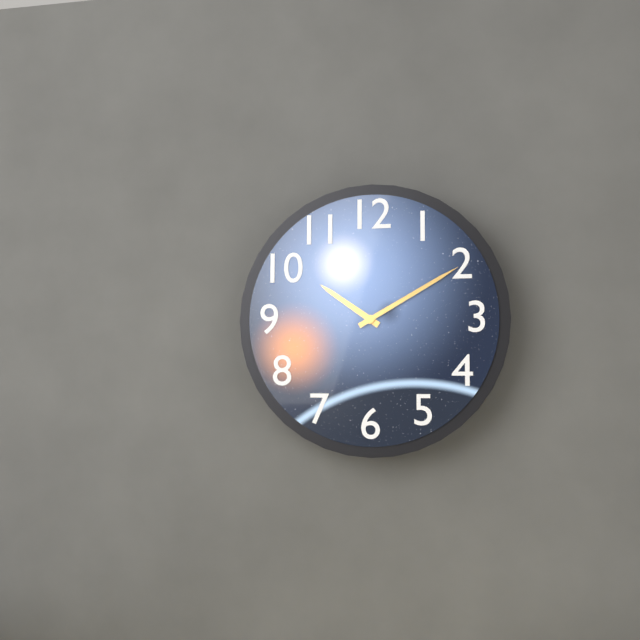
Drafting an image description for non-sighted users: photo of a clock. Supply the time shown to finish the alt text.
10:10
